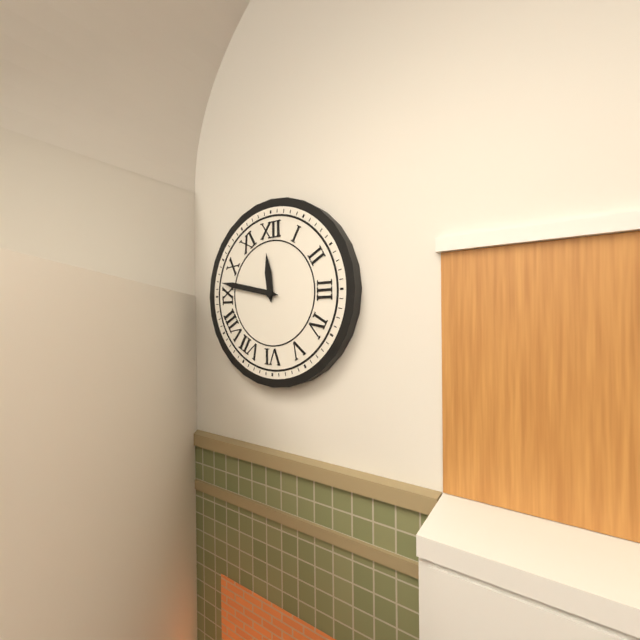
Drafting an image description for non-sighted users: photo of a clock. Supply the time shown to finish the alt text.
11:47
